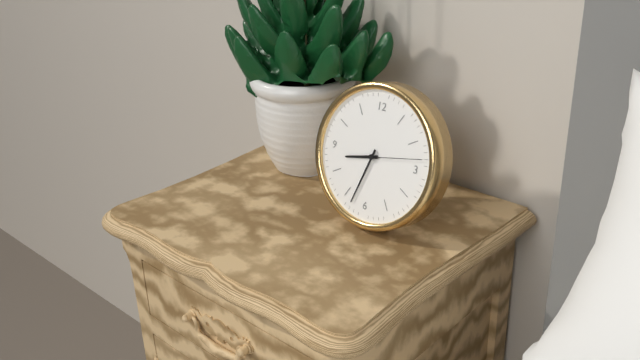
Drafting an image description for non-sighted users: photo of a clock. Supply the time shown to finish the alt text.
8:33:13
